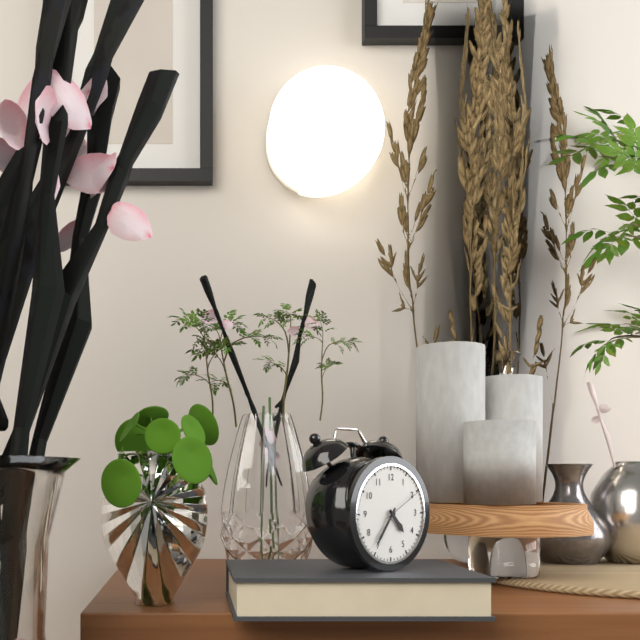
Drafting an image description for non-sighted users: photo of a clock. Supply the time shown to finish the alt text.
4:36
